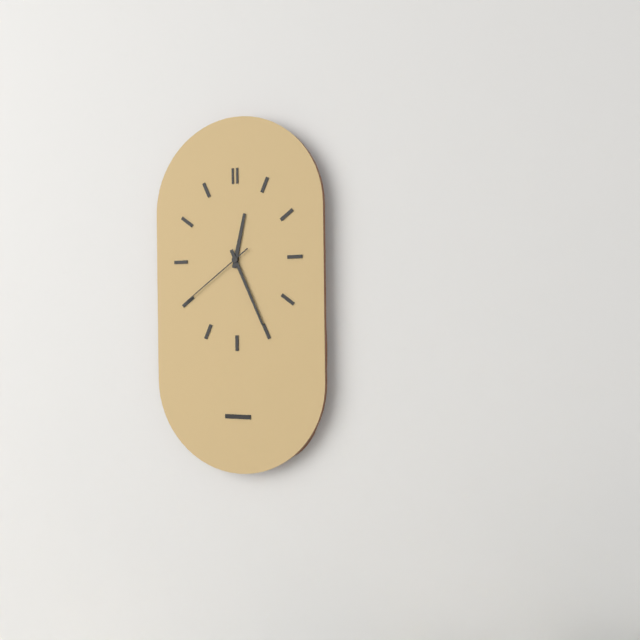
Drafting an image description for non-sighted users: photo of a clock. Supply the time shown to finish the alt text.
12:26:39
